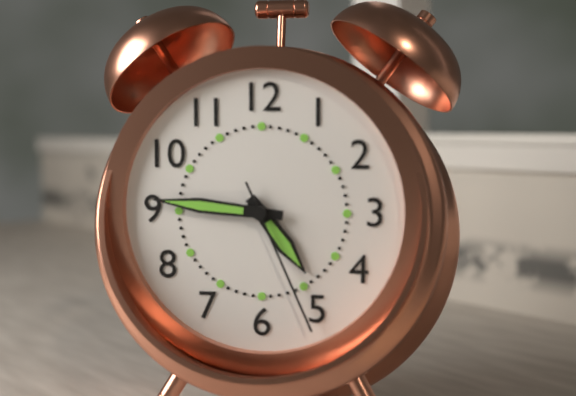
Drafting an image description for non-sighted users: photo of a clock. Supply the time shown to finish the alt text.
4:46:26
